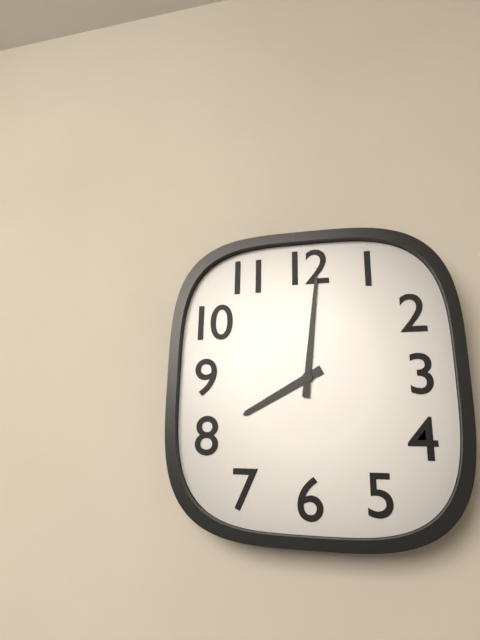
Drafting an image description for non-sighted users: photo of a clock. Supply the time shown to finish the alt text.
8:01
